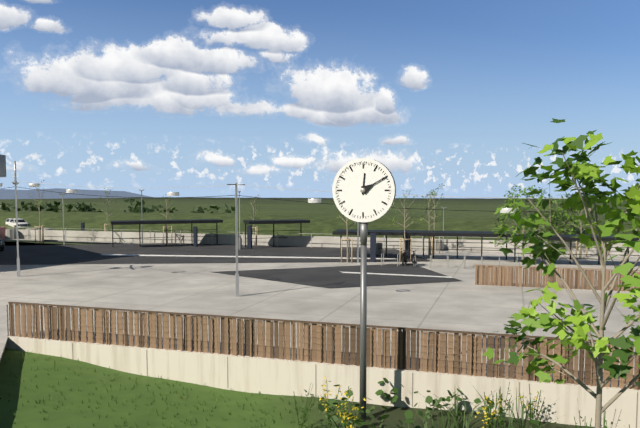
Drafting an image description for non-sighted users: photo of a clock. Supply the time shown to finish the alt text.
12:10
